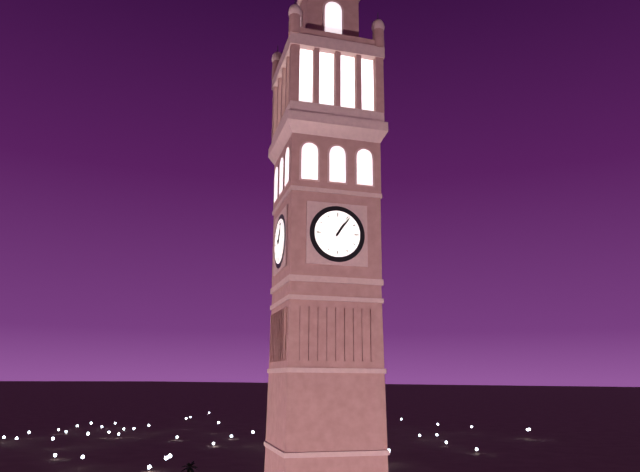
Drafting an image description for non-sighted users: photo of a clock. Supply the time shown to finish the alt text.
1:06
